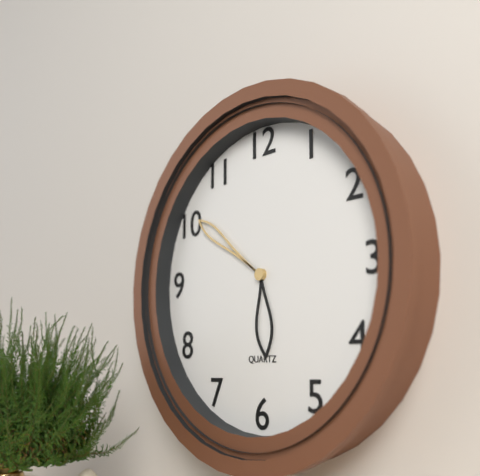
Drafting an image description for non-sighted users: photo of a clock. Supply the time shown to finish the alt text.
5:51
